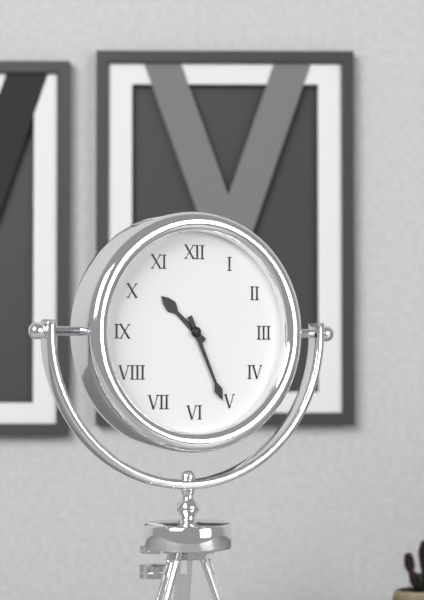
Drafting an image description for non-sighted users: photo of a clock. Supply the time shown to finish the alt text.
10:26
